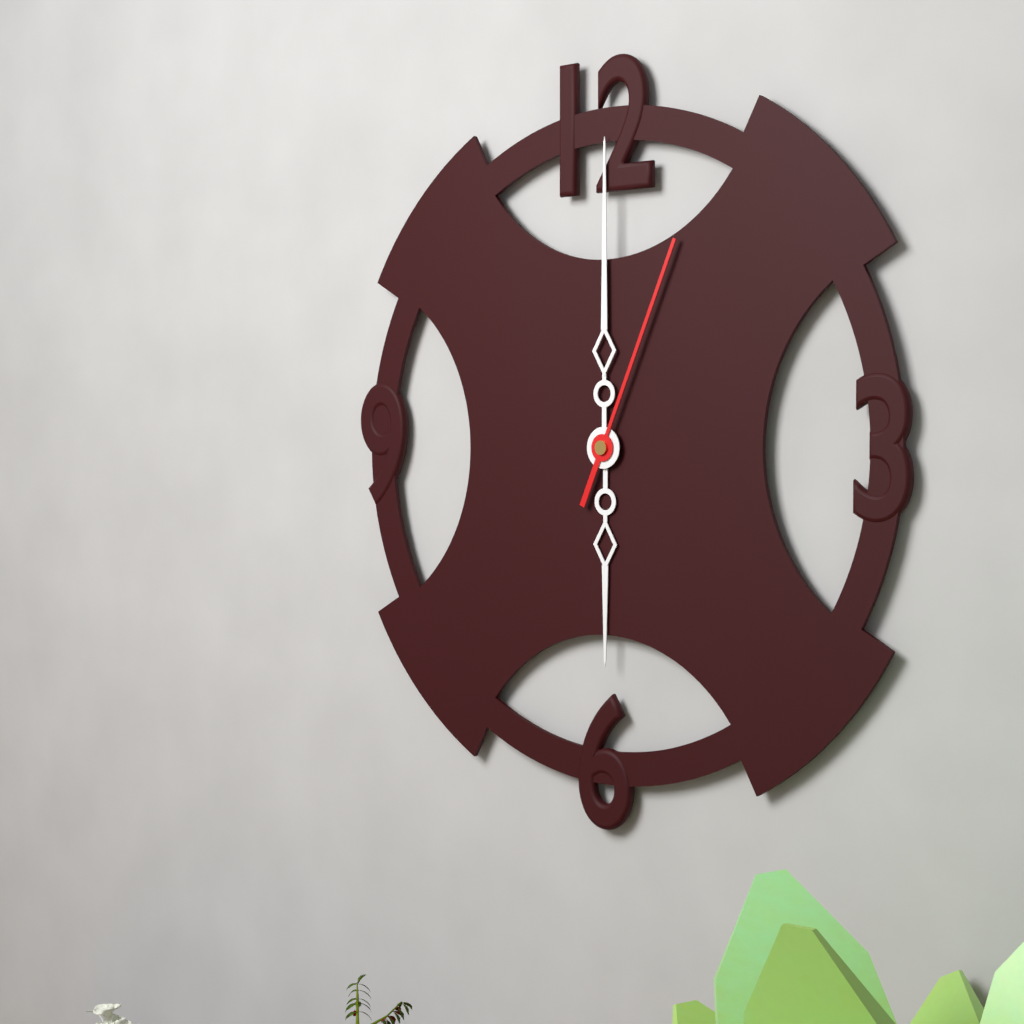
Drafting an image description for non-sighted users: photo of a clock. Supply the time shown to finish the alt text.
6:00:04
